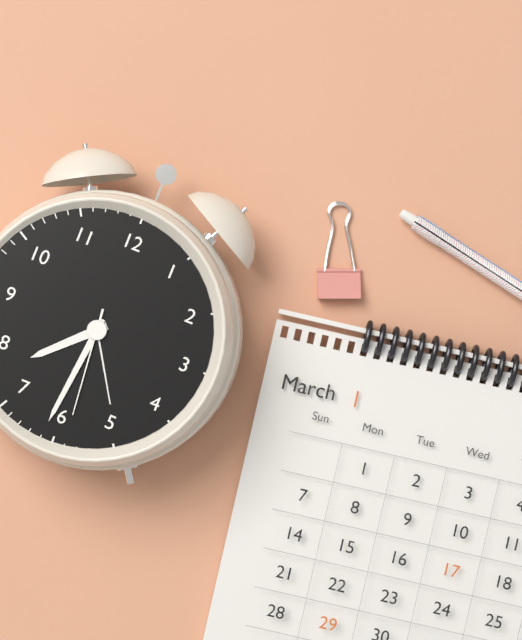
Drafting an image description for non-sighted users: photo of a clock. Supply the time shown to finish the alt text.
7:31:29
